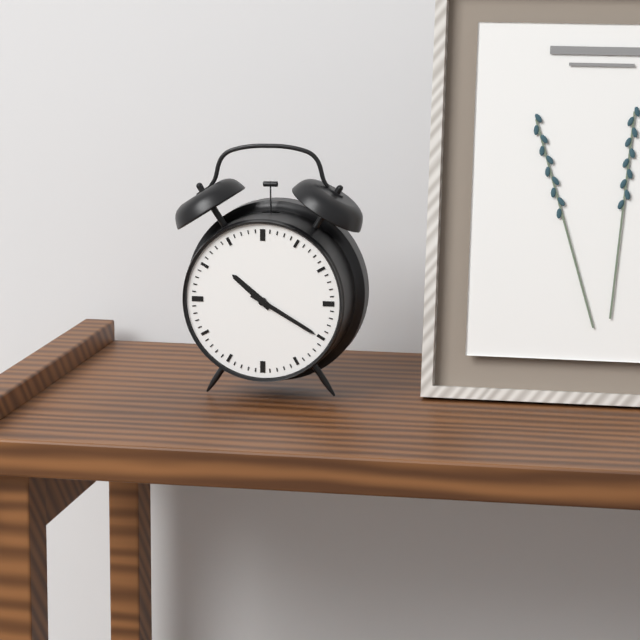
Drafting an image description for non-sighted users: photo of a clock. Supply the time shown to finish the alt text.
10:20
